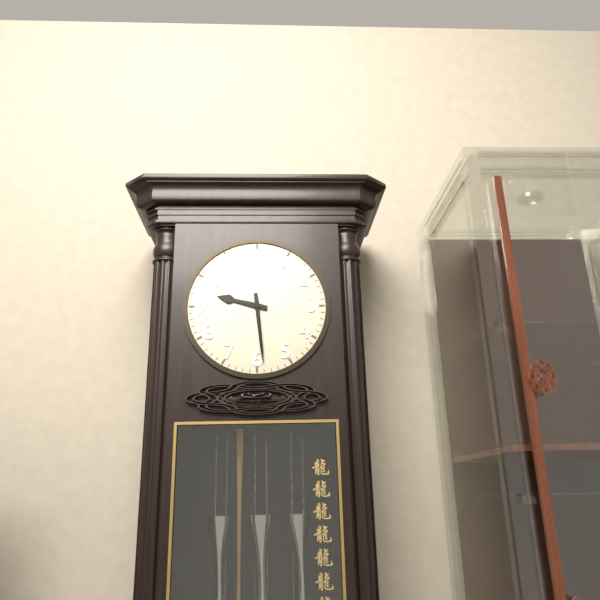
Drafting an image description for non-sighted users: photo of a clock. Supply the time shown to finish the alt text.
9:29
